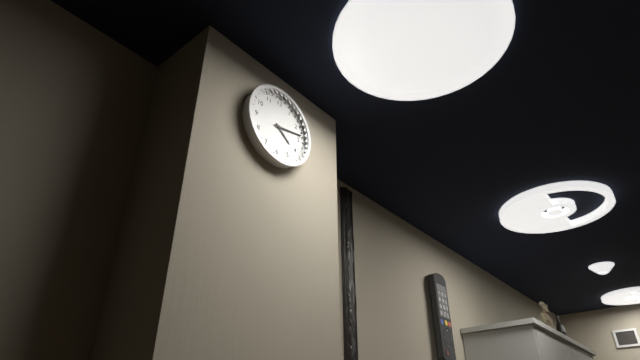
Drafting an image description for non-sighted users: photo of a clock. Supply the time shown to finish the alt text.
4:13
